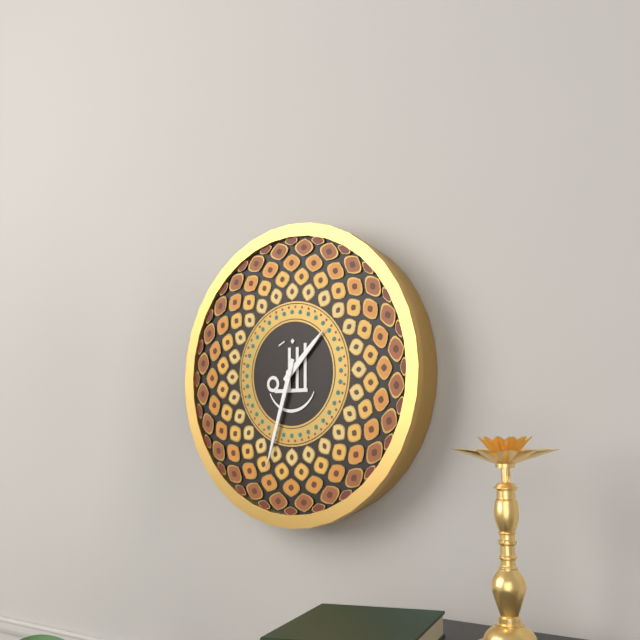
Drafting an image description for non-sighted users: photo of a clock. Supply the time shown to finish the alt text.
1:33
